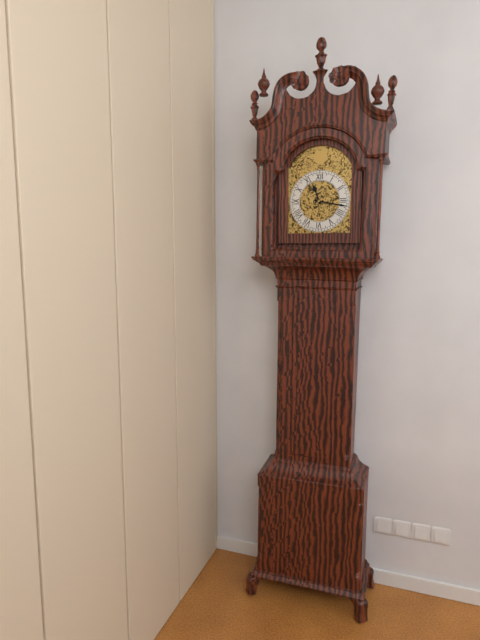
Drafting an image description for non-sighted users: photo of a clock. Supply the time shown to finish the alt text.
11:17
